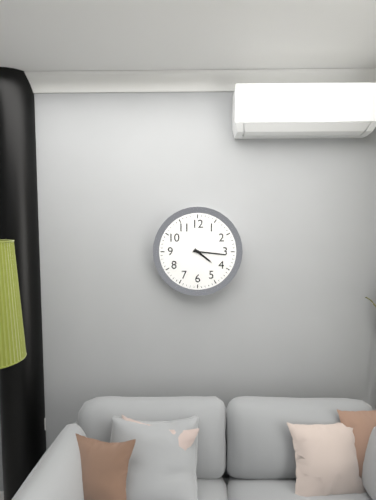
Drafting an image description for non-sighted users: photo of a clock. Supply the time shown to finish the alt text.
4:16
